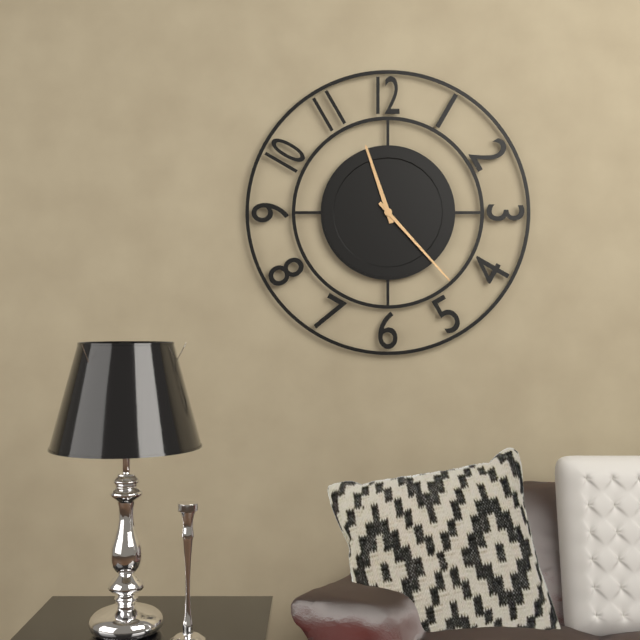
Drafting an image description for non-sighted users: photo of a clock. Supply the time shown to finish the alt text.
11:23
